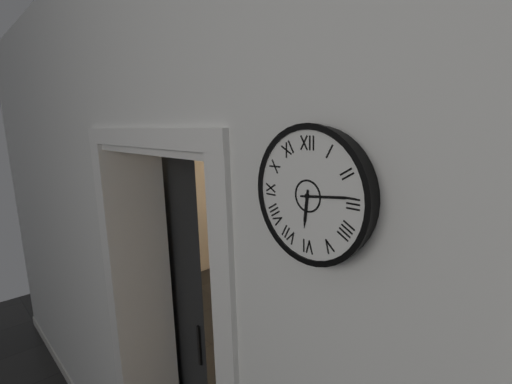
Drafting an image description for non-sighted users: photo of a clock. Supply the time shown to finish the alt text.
6:14
